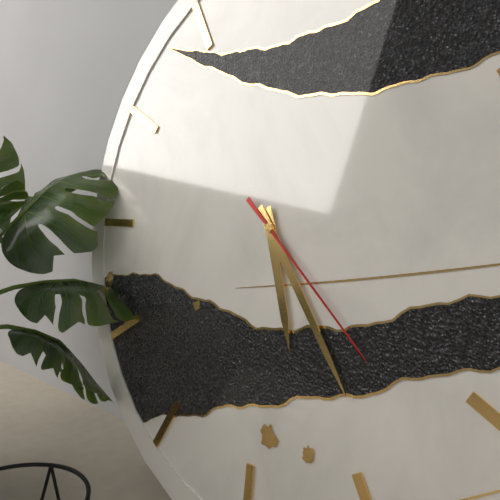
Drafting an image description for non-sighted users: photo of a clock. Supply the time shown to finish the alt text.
5:24:22
